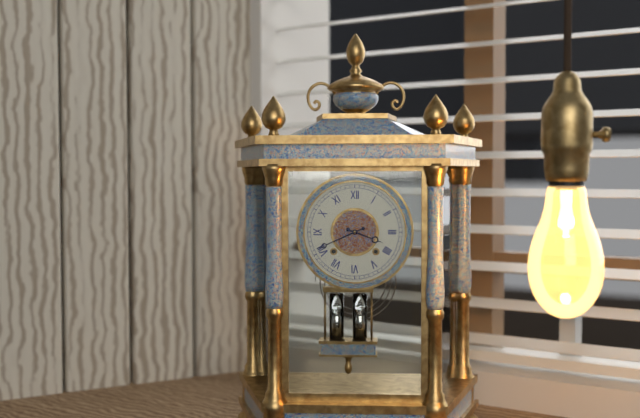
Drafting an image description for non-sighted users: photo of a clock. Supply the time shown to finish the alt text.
3:41
